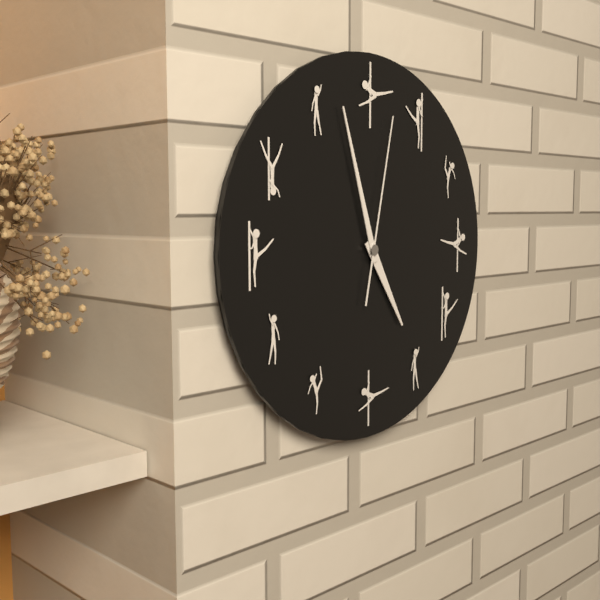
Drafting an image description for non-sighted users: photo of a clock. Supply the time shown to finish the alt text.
4:57:02
